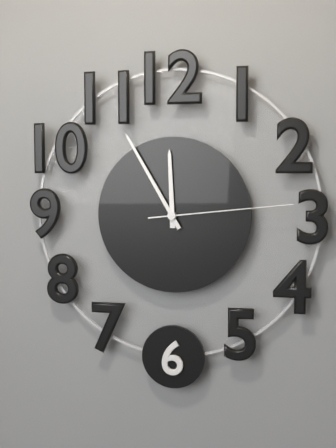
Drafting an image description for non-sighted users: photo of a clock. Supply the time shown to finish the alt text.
11:55:14
